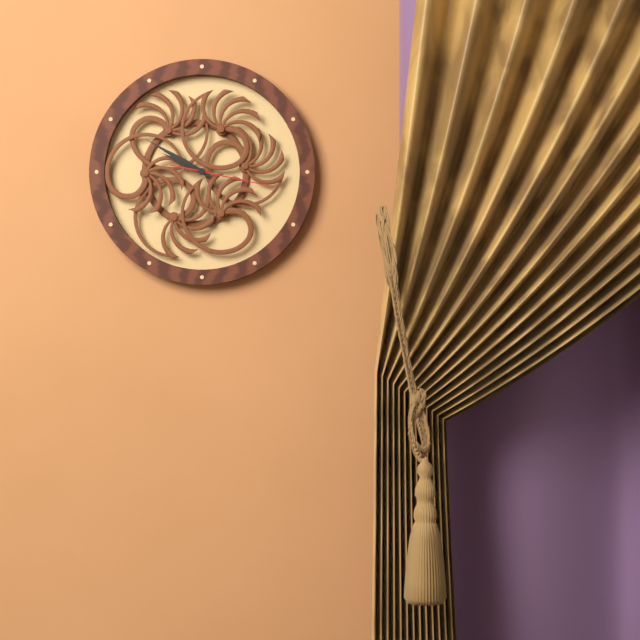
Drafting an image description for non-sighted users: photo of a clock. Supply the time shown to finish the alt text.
9:50:17
